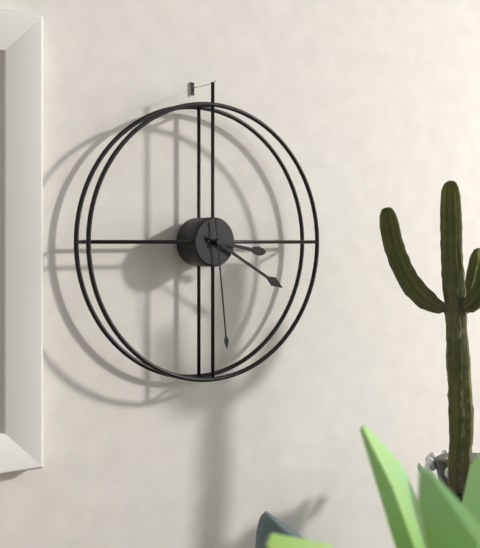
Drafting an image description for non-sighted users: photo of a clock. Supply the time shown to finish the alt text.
3:20:29
